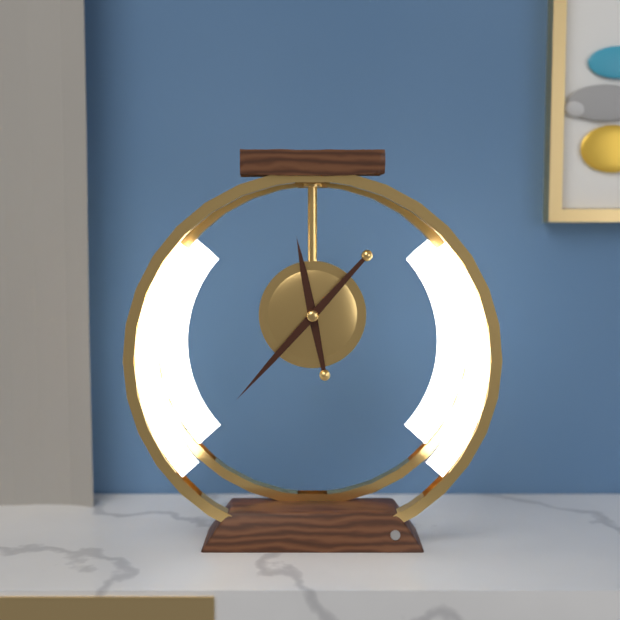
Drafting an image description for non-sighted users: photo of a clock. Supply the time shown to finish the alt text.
11:37
